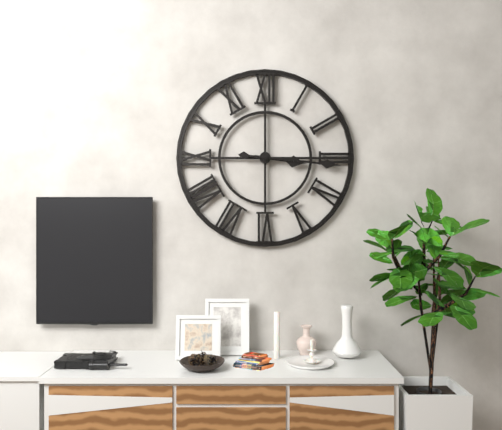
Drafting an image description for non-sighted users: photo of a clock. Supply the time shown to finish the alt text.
3:16
